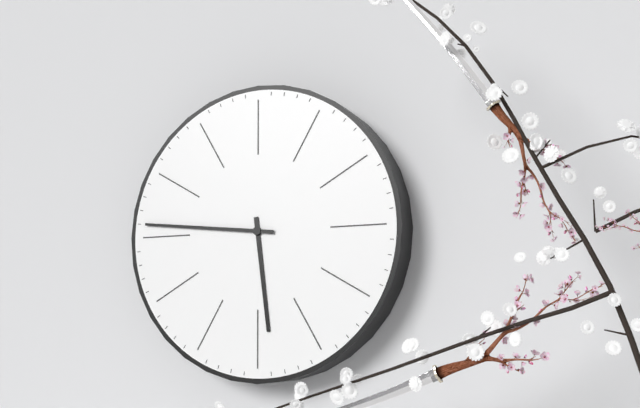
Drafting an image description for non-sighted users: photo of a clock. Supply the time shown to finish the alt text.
5:46
